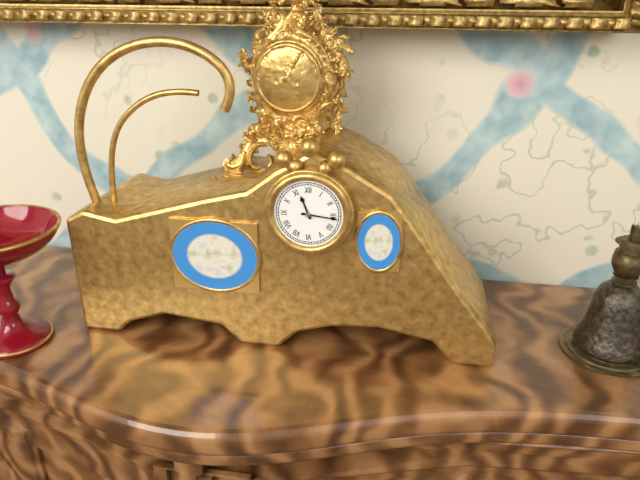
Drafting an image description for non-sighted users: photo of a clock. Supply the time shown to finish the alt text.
11:16
